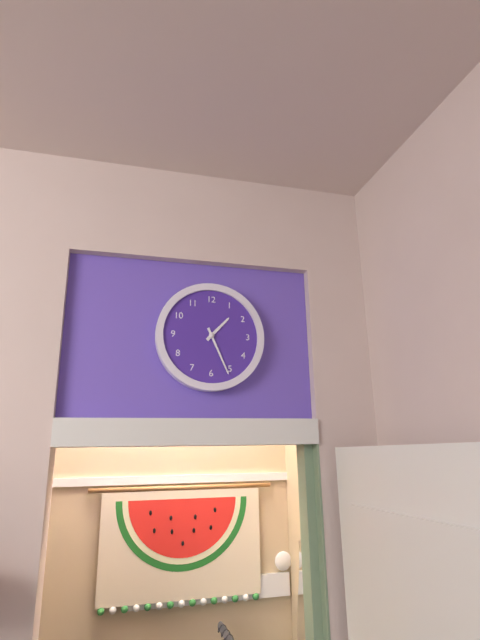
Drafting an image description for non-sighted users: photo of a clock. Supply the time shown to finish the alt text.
1:26
